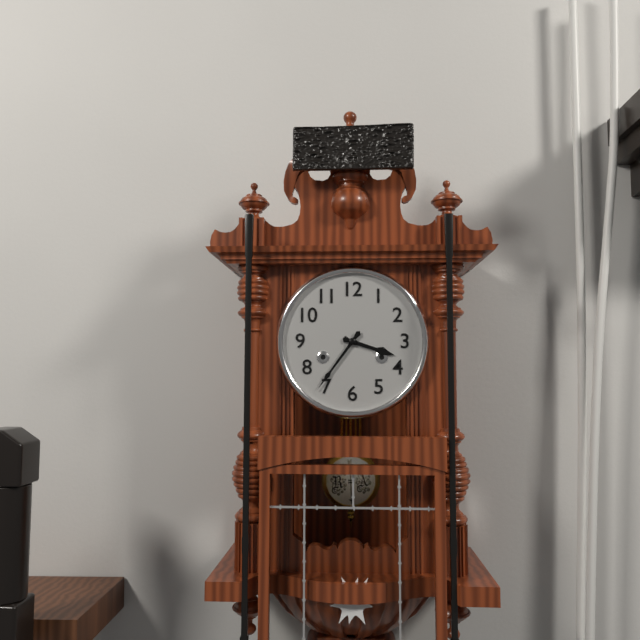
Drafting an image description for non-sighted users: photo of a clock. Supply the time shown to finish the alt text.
3:36
